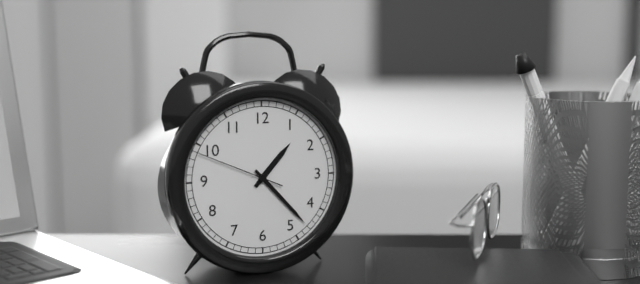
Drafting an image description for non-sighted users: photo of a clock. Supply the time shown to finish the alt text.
1:23:49
